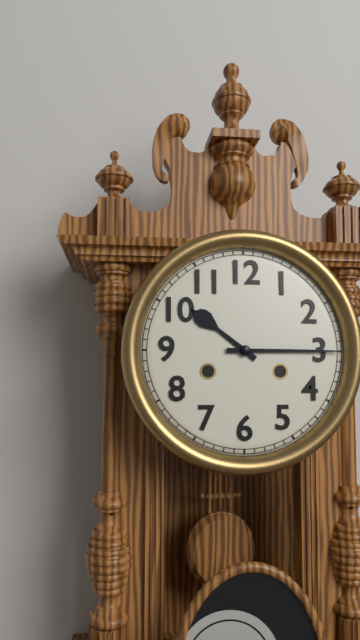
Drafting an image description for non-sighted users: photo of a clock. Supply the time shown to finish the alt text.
10:15
